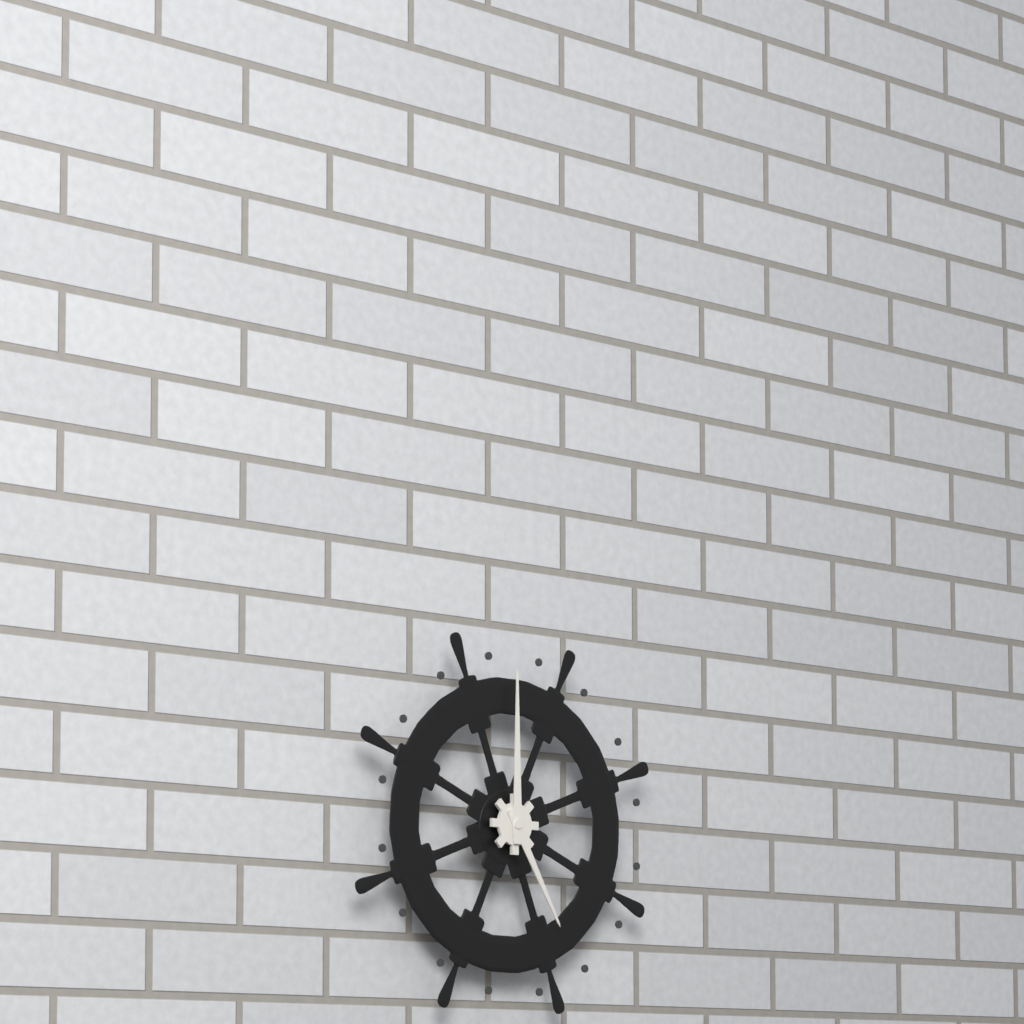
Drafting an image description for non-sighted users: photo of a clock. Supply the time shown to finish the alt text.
5:00
